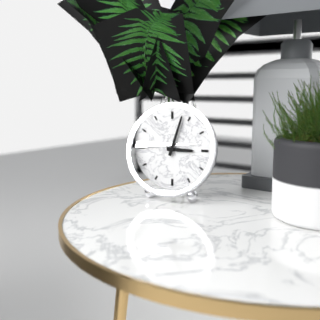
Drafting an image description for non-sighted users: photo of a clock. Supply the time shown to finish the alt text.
3:03
